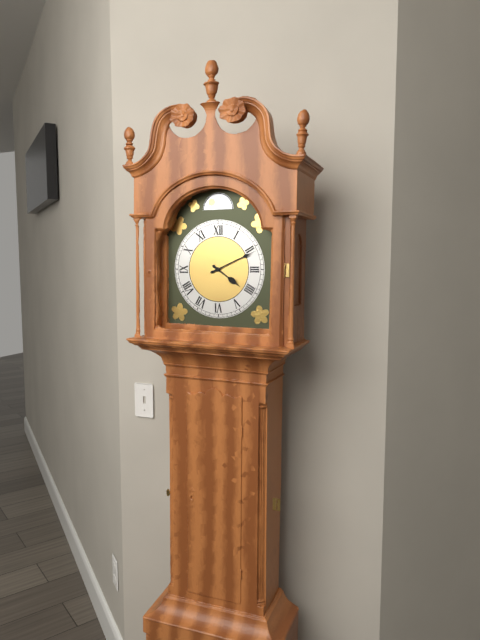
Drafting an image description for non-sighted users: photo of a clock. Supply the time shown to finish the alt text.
4:11
